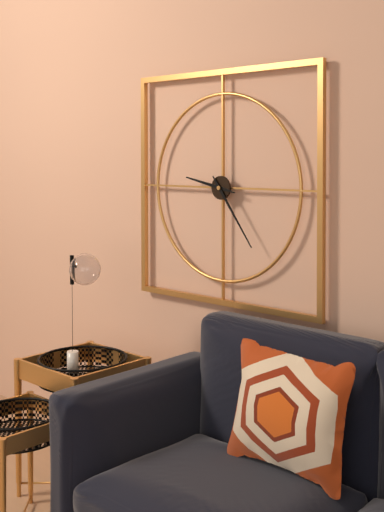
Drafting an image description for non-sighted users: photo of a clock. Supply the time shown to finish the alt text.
9:24
